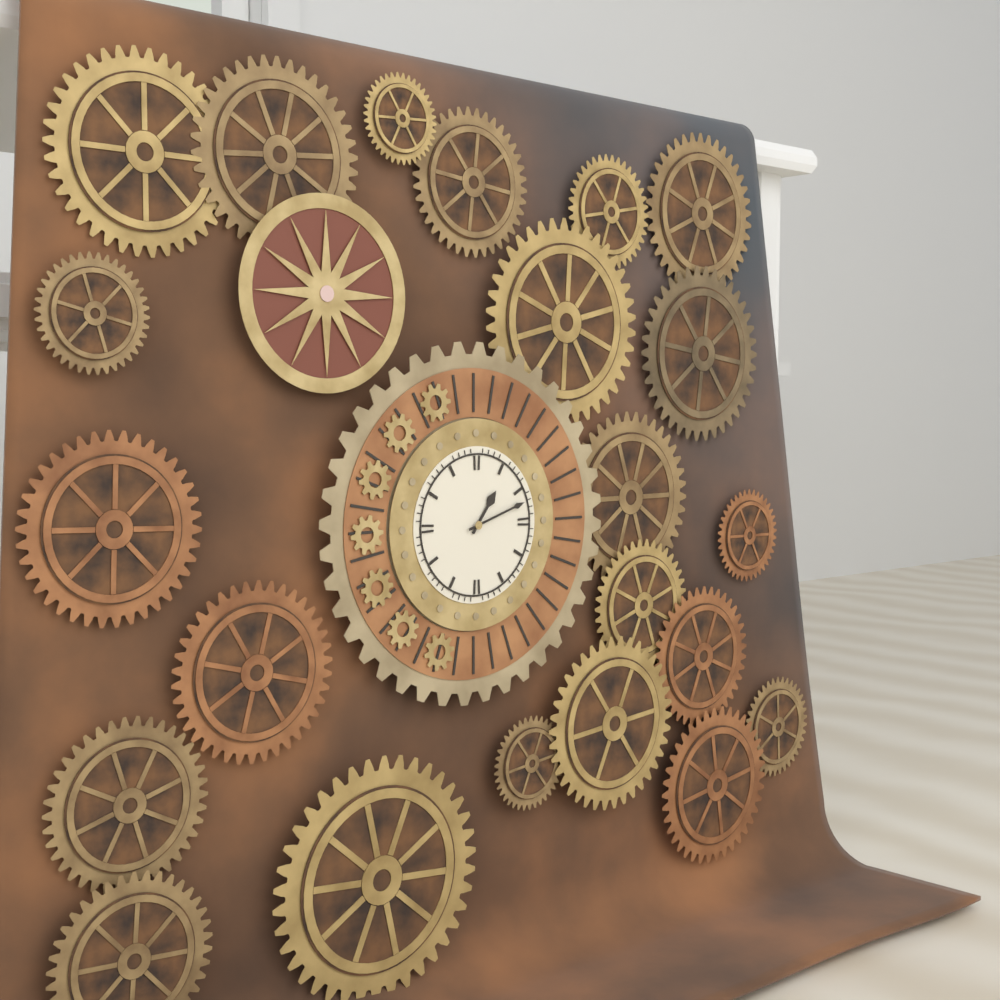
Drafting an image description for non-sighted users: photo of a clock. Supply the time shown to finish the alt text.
1:12
